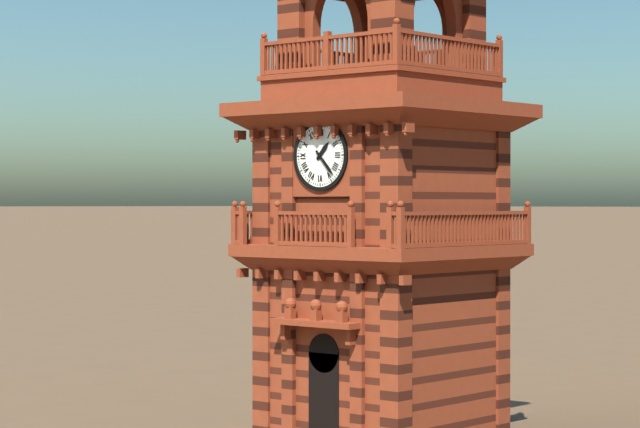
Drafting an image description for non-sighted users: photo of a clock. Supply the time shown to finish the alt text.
1:23
